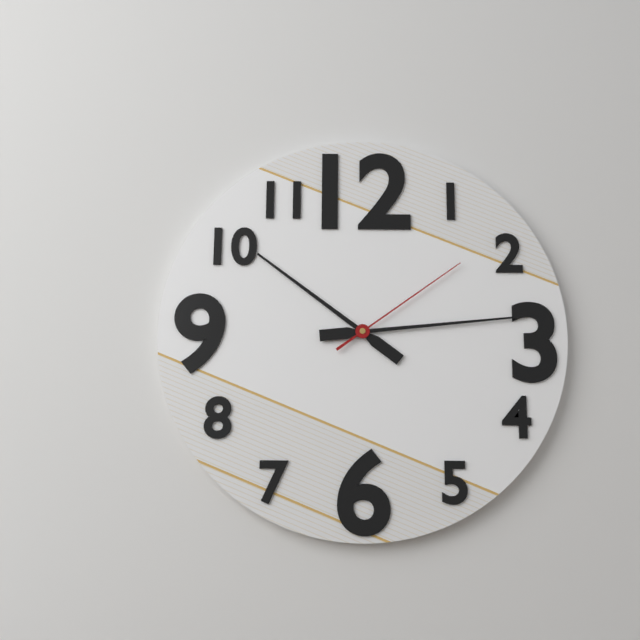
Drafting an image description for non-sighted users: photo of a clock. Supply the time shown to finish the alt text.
10:14:09
